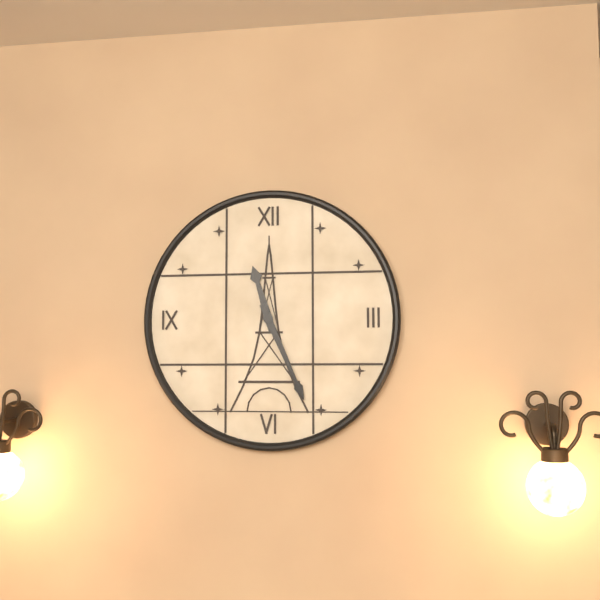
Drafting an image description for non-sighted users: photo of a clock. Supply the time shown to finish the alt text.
11:26
